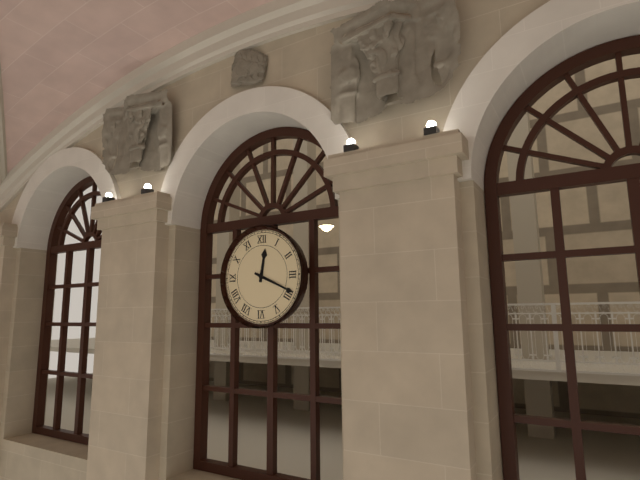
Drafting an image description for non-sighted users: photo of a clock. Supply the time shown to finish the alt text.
12:19
